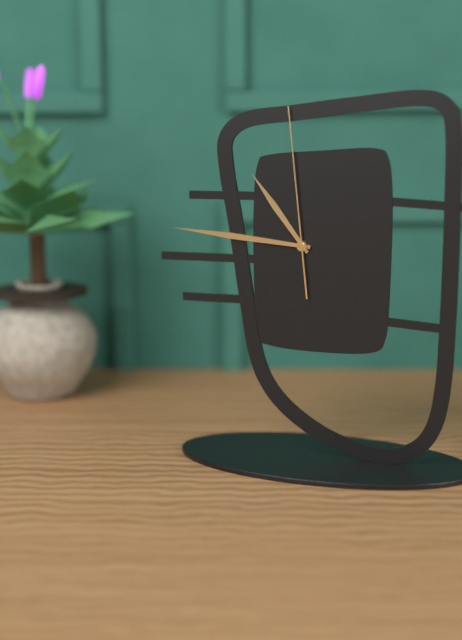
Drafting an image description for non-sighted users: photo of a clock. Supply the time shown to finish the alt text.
10:46:59
